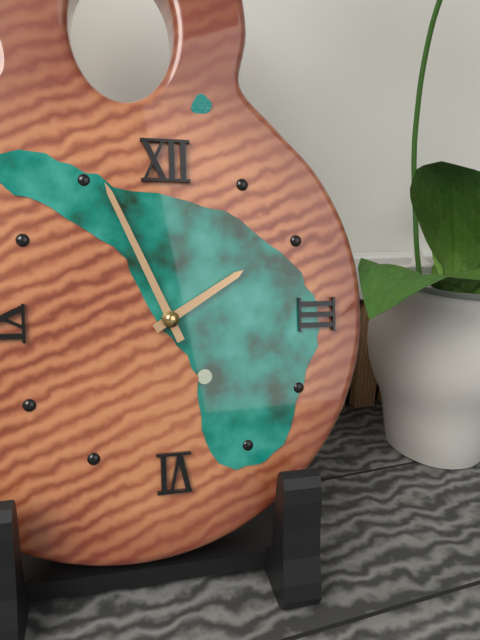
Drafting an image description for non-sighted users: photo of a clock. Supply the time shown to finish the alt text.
1:56
